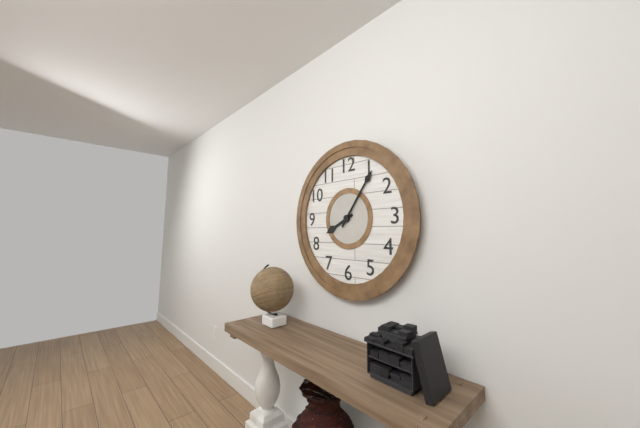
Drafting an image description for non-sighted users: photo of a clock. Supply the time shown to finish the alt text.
8:06
